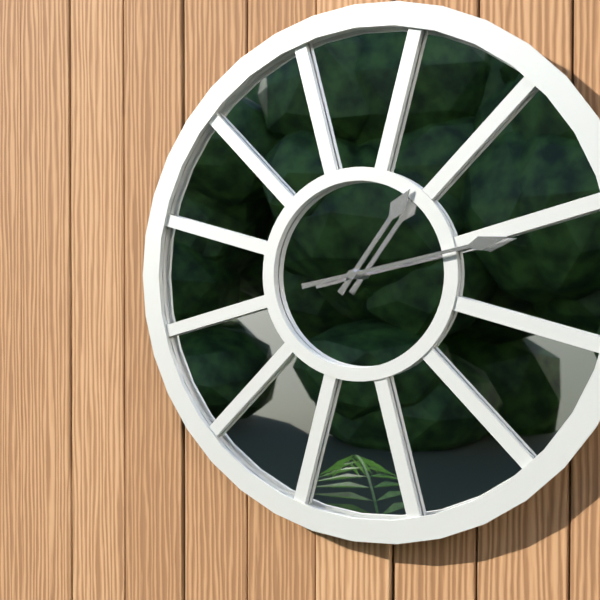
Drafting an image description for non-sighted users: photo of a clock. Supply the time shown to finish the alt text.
1:13
